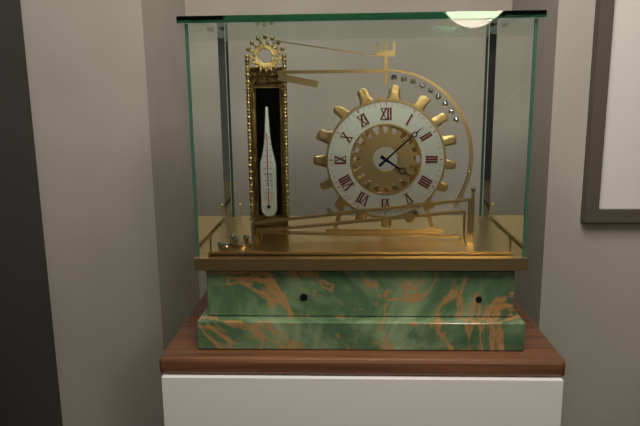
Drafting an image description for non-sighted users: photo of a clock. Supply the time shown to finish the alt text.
4:08
